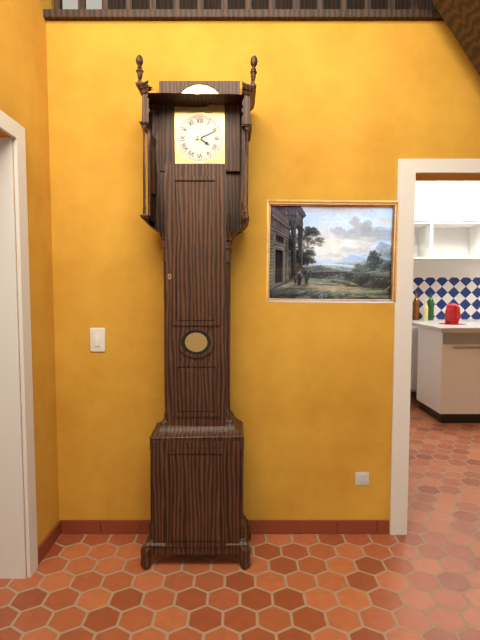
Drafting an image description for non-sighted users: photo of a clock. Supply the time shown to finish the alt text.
4:11
